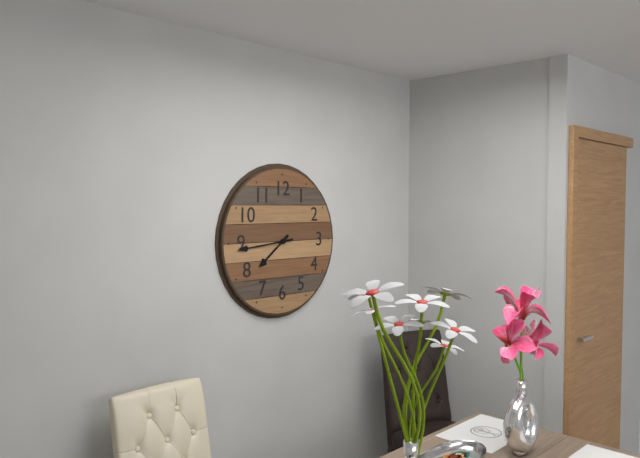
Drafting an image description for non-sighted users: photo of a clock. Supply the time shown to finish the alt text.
7:44
